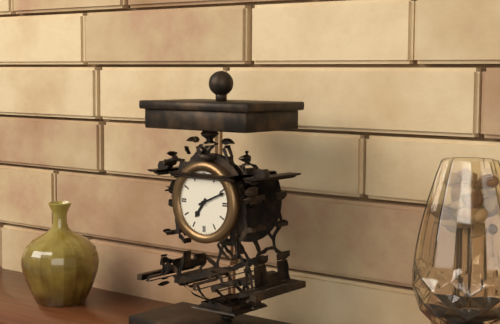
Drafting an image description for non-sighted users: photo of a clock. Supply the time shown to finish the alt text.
7:11
